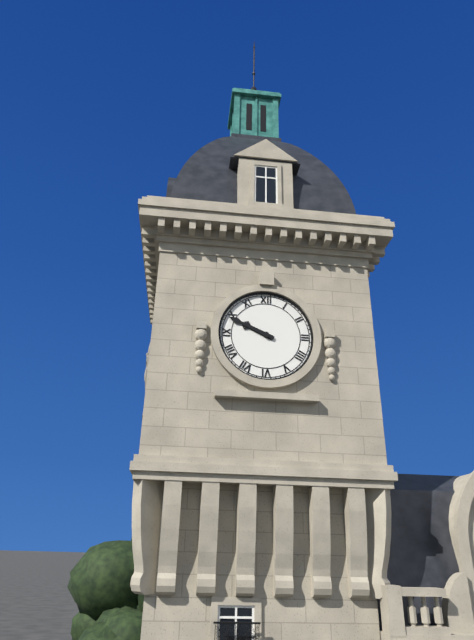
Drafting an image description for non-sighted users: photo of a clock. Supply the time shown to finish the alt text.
9:49
